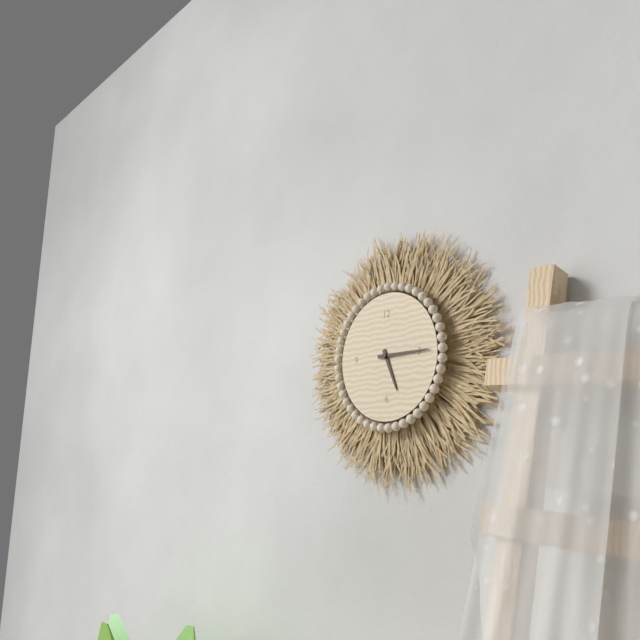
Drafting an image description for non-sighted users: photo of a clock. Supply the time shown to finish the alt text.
5:15
